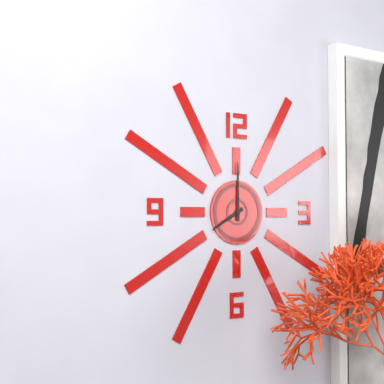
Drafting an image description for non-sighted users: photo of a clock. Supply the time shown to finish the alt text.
8:00
